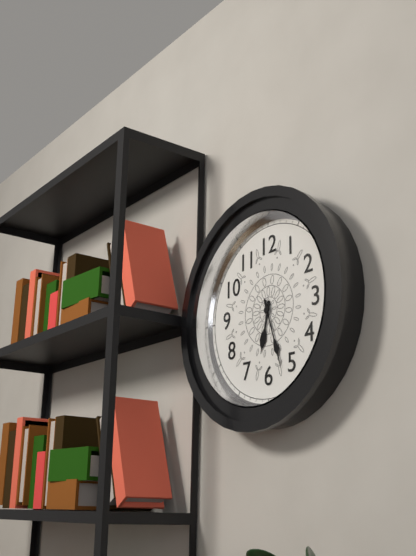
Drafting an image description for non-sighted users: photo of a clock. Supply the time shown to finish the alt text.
6:27
